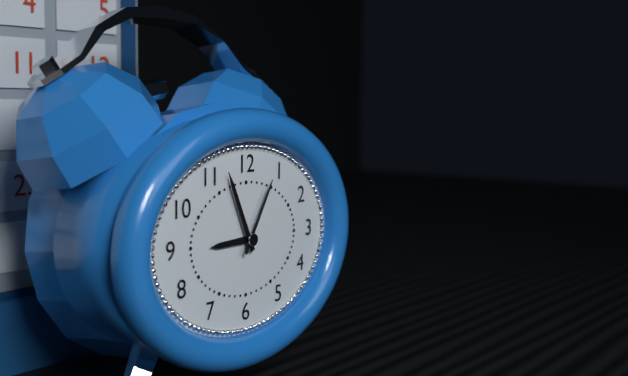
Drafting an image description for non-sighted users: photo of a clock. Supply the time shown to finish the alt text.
8:56:05
